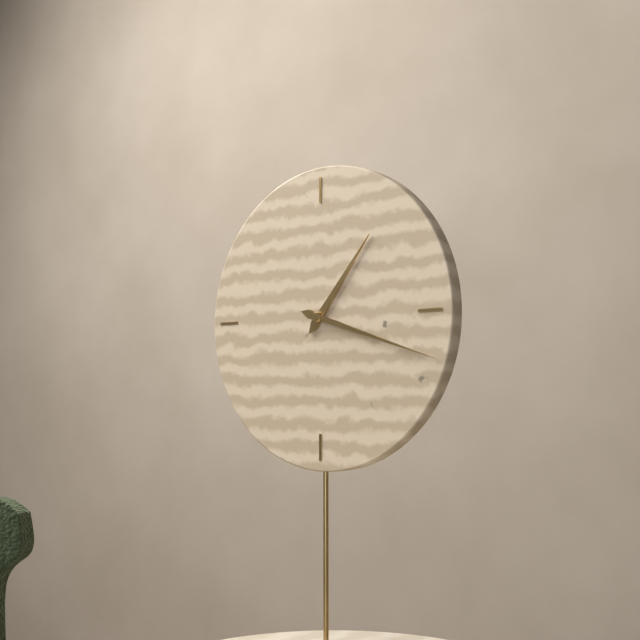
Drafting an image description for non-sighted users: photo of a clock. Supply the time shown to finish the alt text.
1:18
